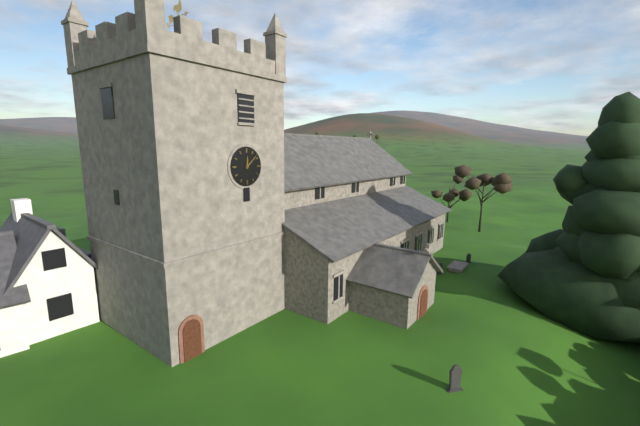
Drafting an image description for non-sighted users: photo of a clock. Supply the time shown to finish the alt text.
12:08
